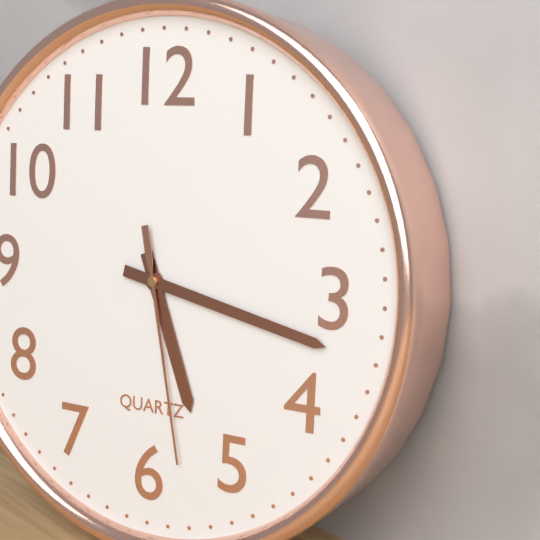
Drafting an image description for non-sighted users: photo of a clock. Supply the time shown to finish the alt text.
5:17:28
